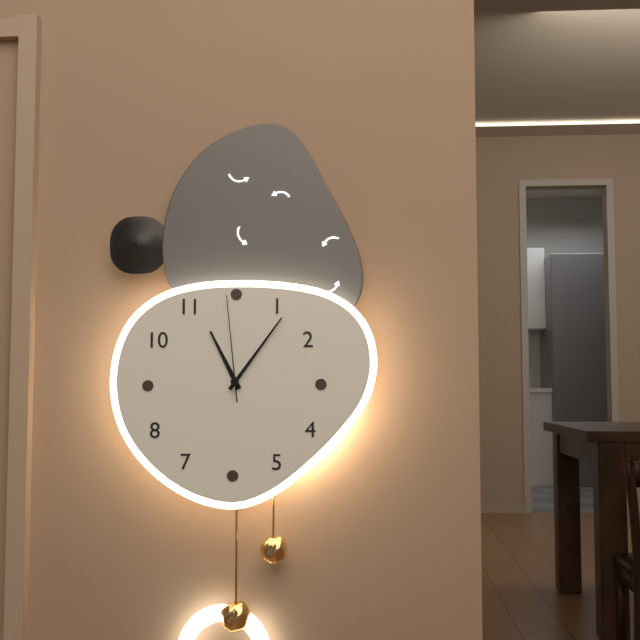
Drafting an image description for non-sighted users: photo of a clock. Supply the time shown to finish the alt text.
11:06:59
